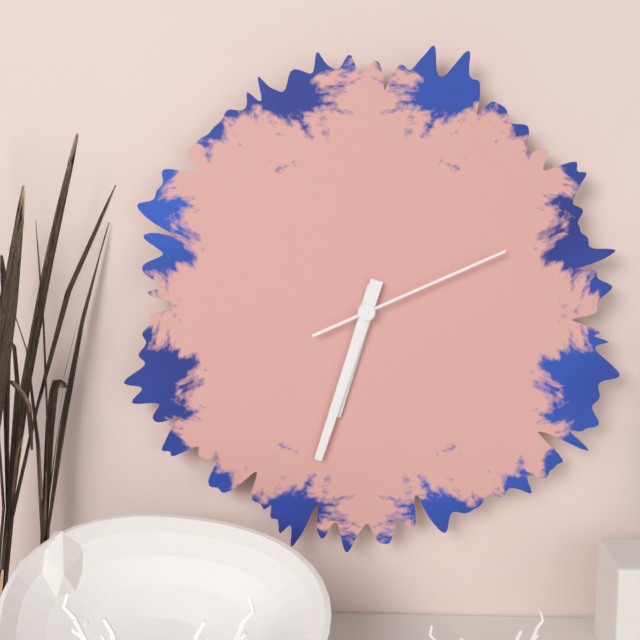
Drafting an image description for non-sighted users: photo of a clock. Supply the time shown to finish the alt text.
6:33:11
